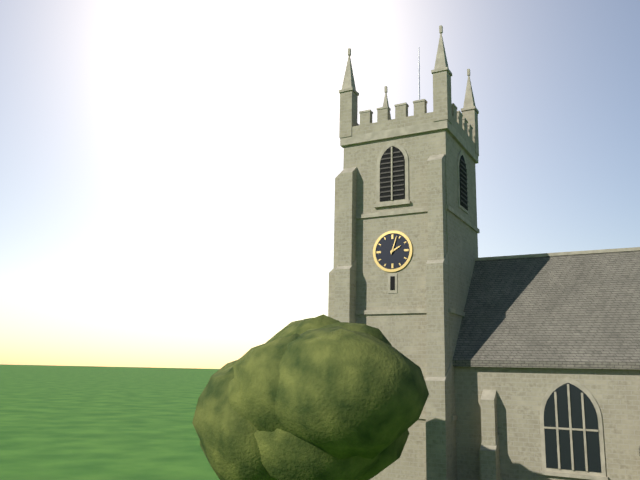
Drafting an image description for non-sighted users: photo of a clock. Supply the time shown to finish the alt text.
2:03
